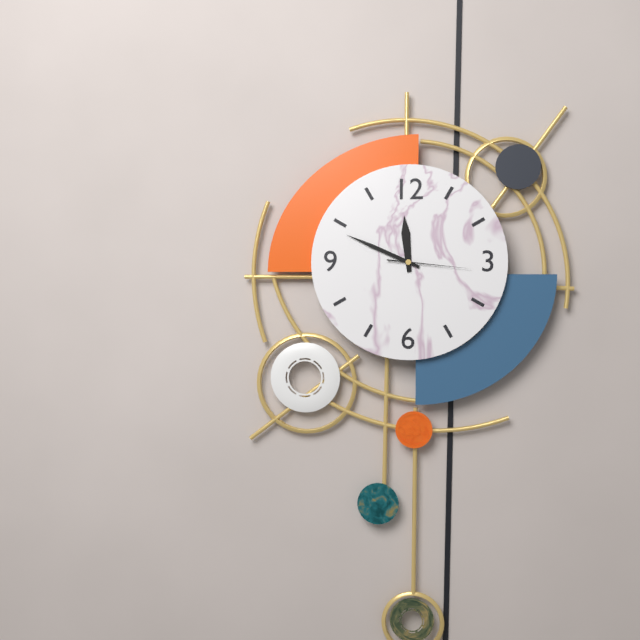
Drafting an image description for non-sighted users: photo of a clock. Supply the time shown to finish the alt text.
11:49:16
